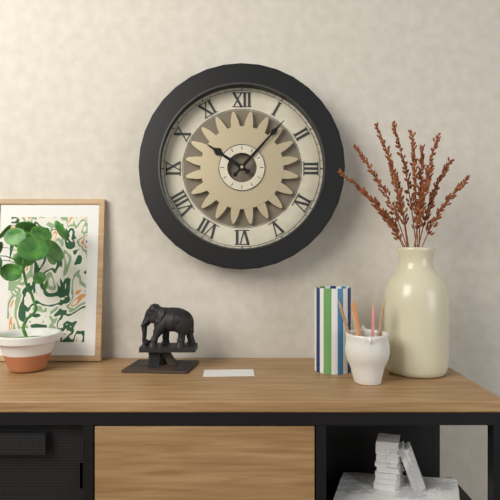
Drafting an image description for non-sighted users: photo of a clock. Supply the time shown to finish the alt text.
10:07
